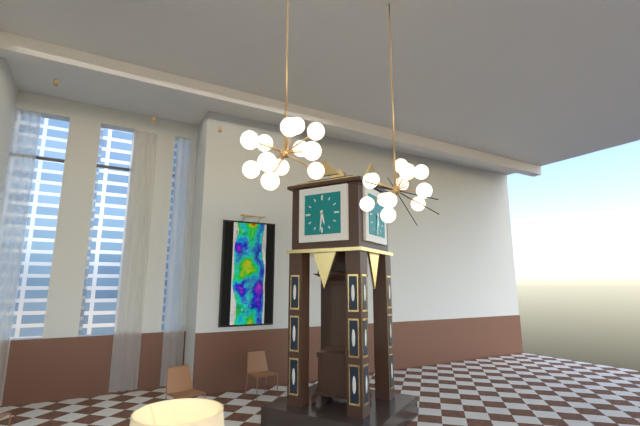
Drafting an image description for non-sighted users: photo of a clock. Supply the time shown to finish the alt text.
5:31
